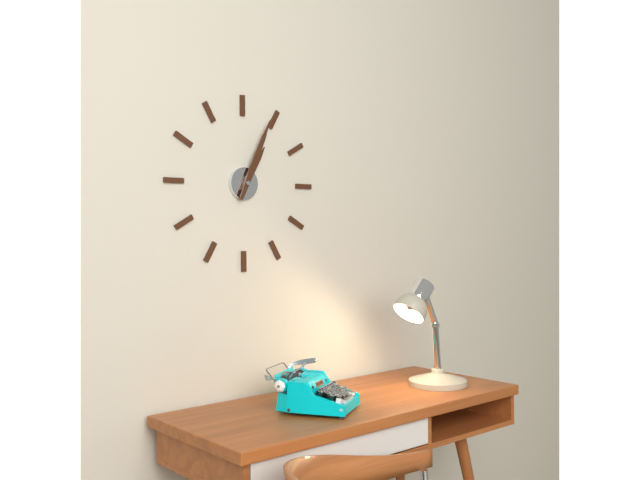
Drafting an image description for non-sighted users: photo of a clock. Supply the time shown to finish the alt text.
1:04
